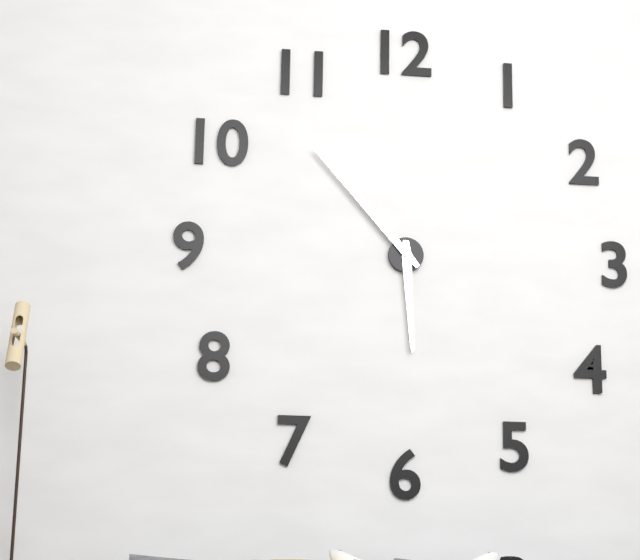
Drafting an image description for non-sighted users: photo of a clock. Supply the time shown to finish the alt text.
5:53
